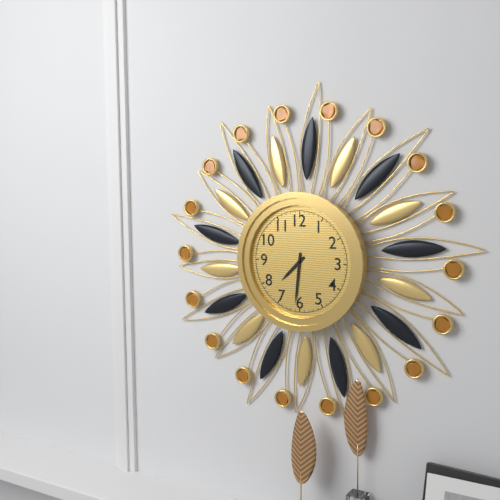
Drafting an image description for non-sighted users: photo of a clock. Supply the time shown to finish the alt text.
7:31
